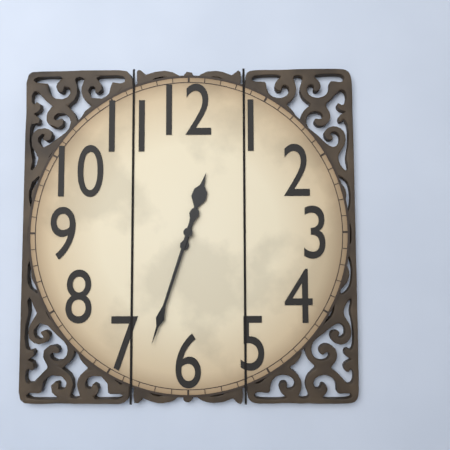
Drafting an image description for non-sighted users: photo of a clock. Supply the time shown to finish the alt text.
12:33
